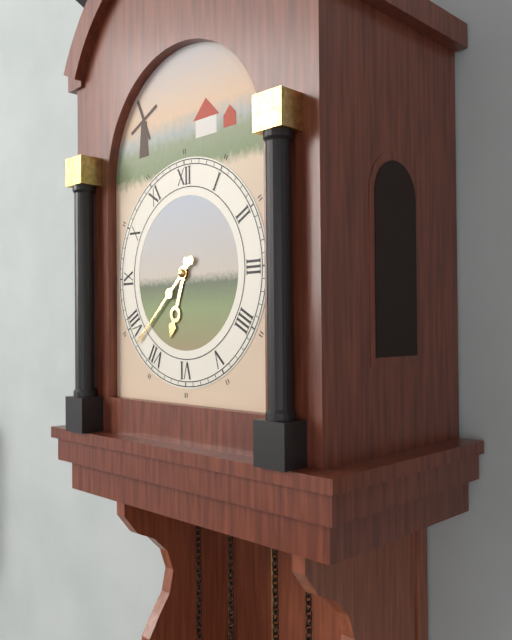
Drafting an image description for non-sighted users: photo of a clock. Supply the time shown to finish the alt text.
6:38
